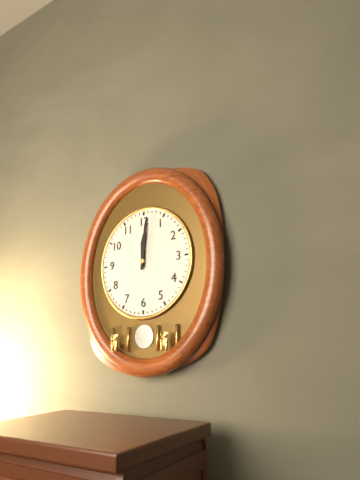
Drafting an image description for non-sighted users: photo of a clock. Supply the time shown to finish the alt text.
12:01
